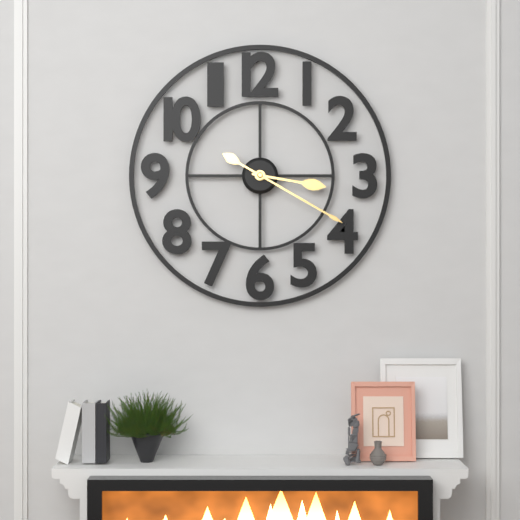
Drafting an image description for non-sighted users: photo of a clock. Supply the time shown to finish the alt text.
3:20
